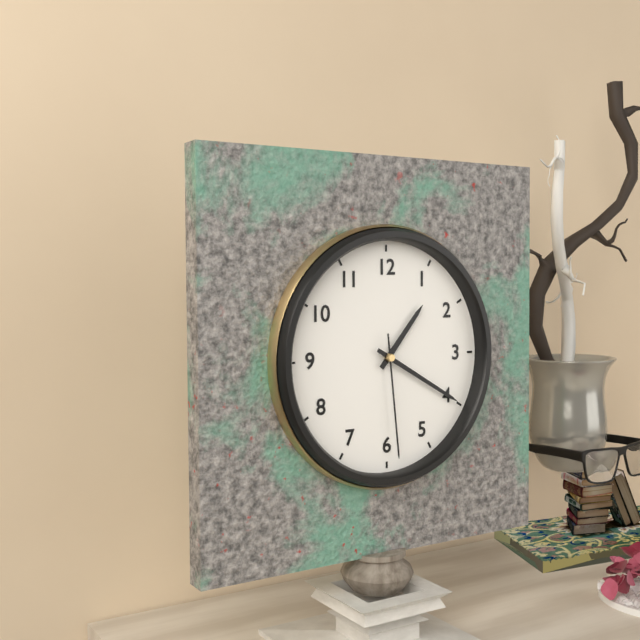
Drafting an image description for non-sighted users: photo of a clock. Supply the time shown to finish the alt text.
1:20:29
